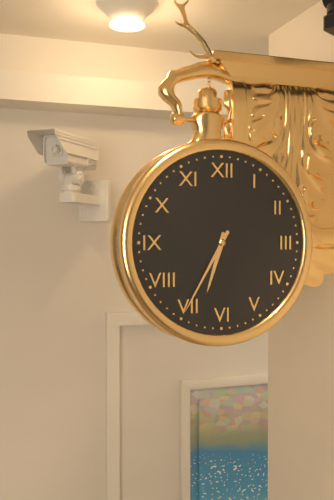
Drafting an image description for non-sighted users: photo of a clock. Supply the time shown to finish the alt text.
6:35
